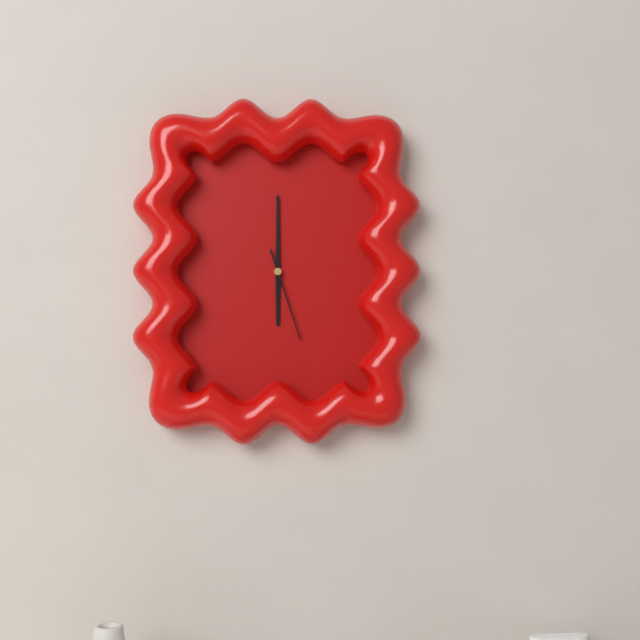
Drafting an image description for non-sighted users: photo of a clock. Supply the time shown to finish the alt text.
6:00:27
